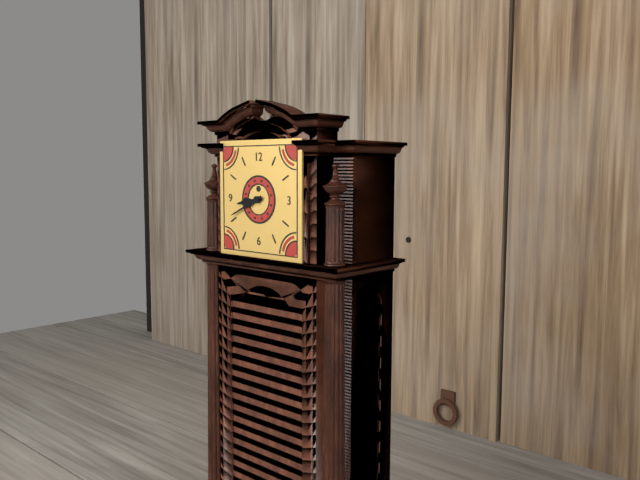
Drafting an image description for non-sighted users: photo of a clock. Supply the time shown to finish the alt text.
8:41
